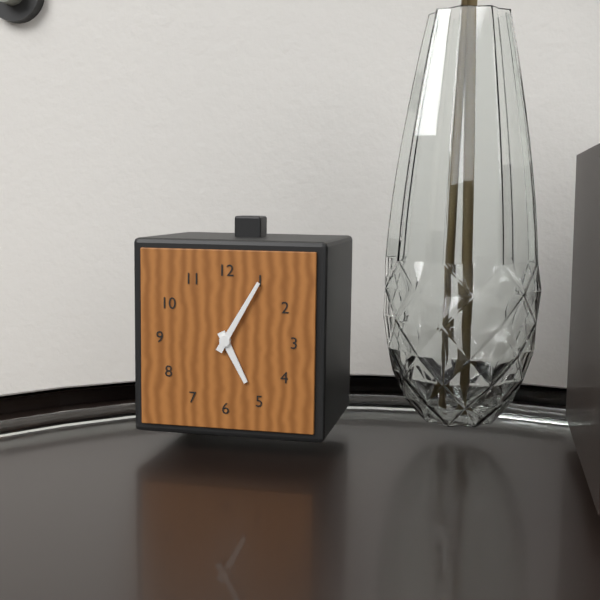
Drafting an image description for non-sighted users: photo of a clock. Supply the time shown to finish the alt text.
5:05
